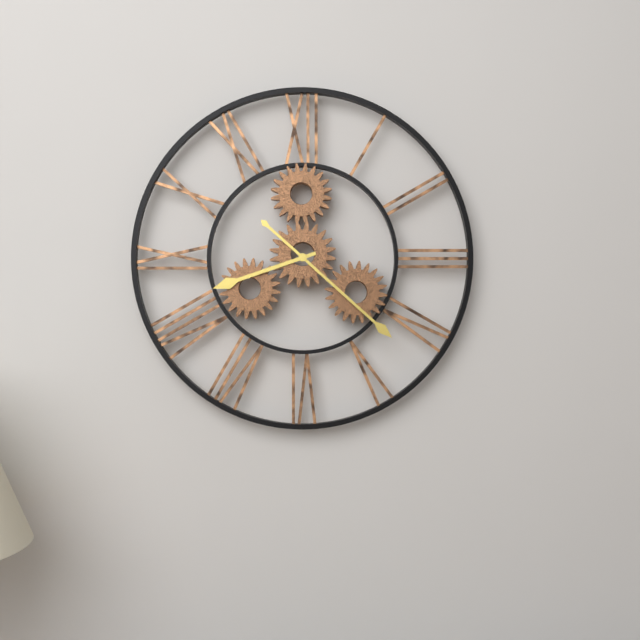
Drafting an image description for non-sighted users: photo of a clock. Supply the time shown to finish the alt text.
8:22
